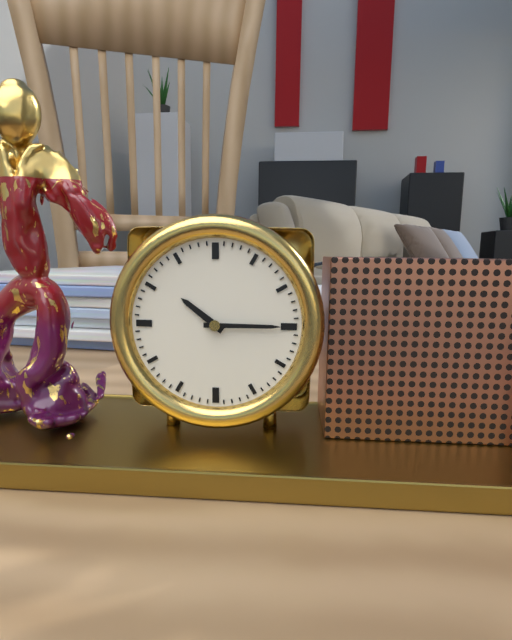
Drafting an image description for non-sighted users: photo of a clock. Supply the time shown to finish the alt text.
10:15
